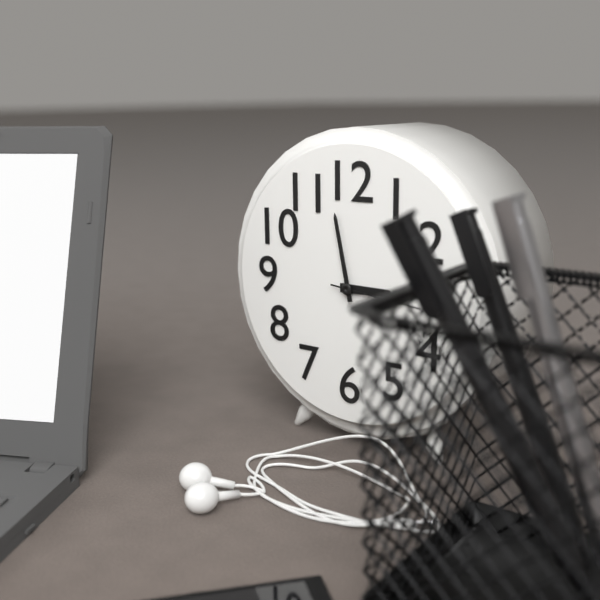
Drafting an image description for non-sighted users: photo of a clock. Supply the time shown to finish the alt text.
2:58
